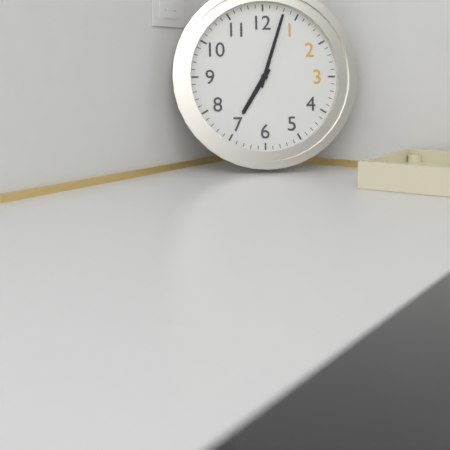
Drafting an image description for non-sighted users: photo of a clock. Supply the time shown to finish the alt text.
7:03
